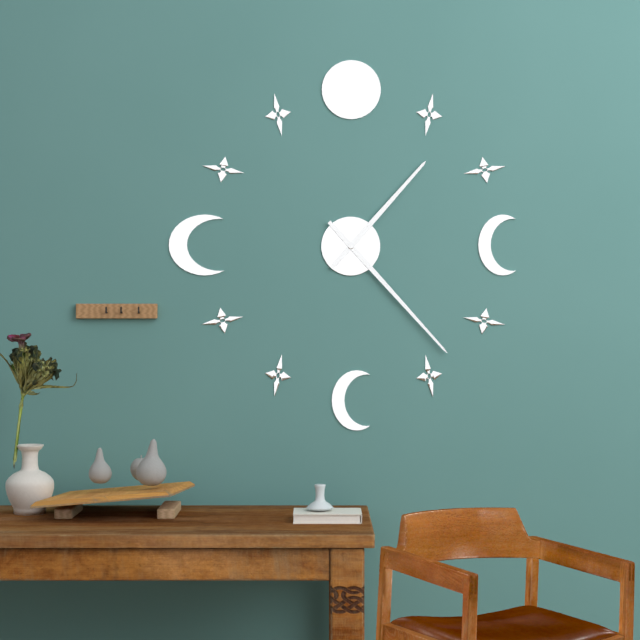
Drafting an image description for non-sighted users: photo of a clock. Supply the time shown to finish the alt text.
1:23
